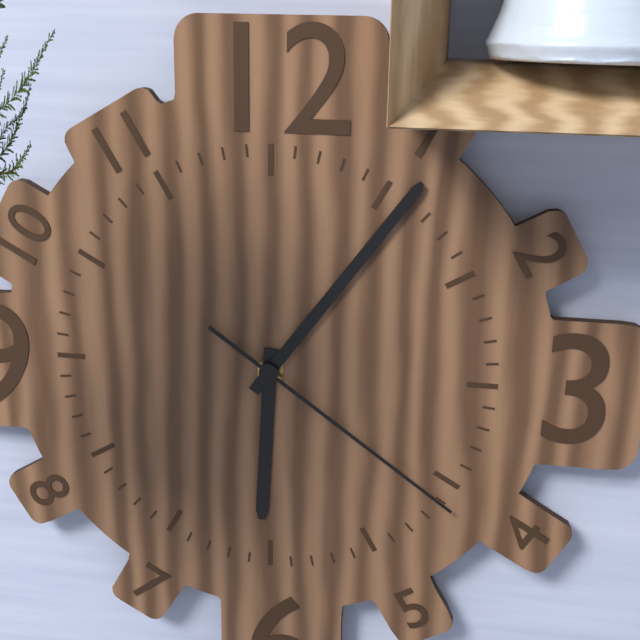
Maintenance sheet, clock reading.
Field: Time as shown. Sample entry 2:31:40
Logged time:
6:06:21
